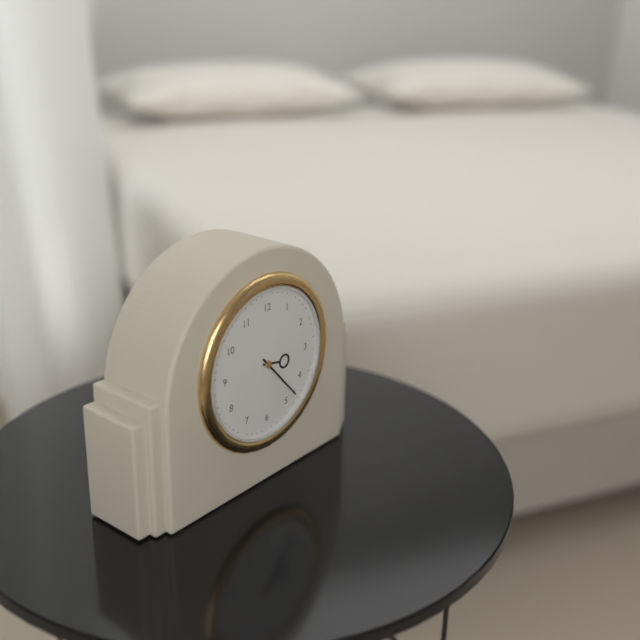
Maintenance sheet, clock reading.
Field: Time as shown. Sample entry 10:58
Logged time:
3:23
